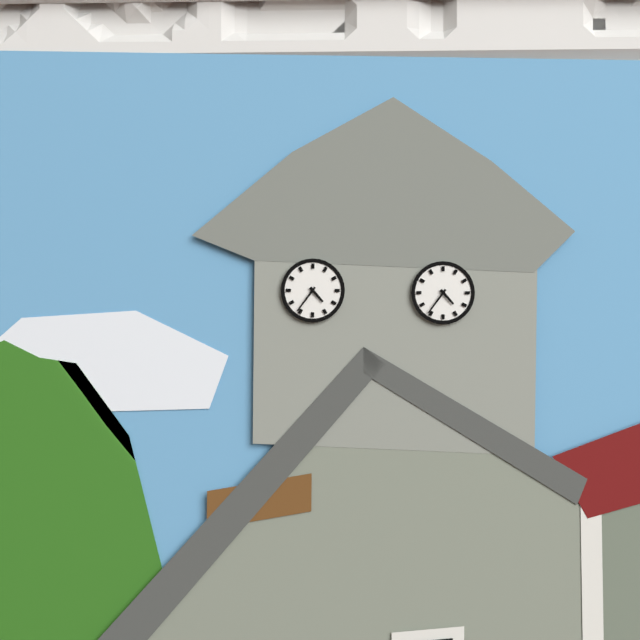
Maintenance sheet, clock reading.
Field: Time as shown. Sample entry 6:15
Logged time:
4:36
